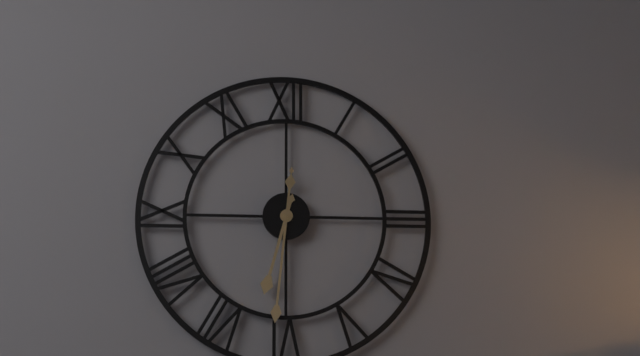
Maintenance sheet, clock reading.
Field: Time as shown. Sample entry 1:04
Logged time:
6:31
